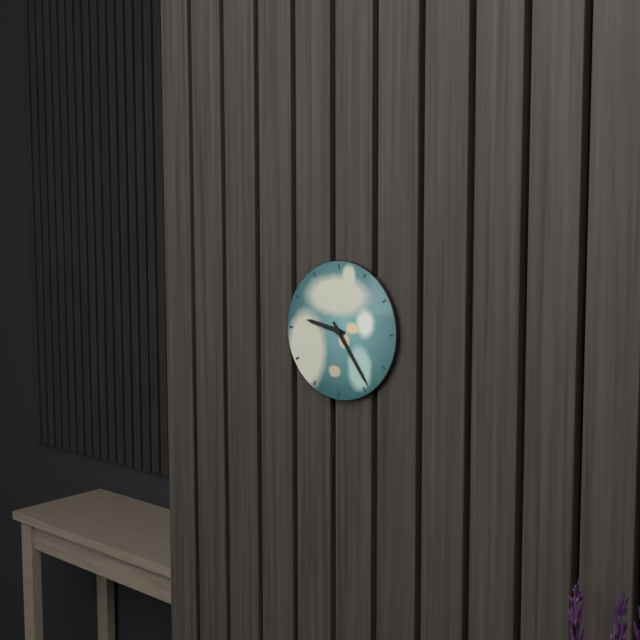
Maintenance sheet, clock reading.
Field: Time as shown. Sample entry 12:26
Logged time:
9:24
